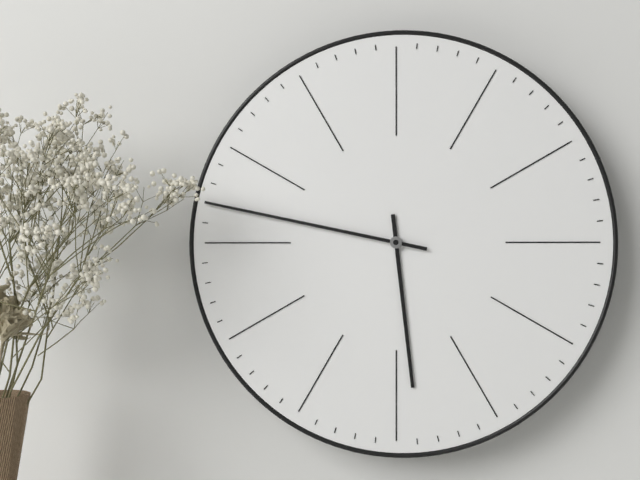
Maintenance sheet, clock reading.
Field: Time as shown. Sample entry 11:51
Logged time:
5:47
